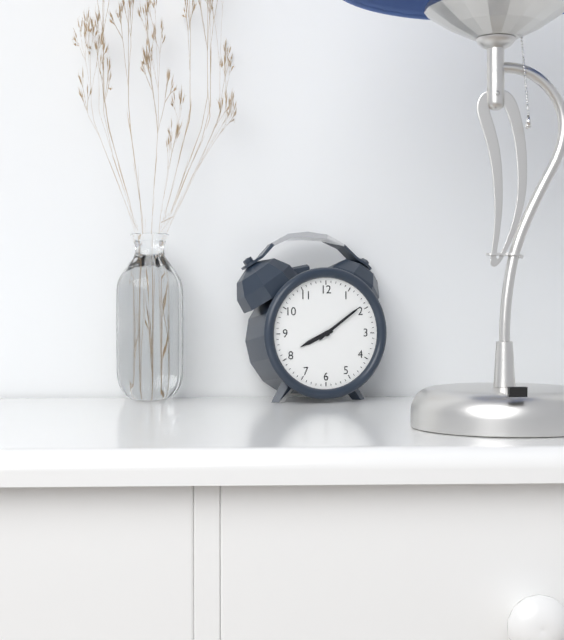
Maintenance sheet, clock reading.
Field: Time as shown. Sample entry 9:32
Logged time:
8:09
